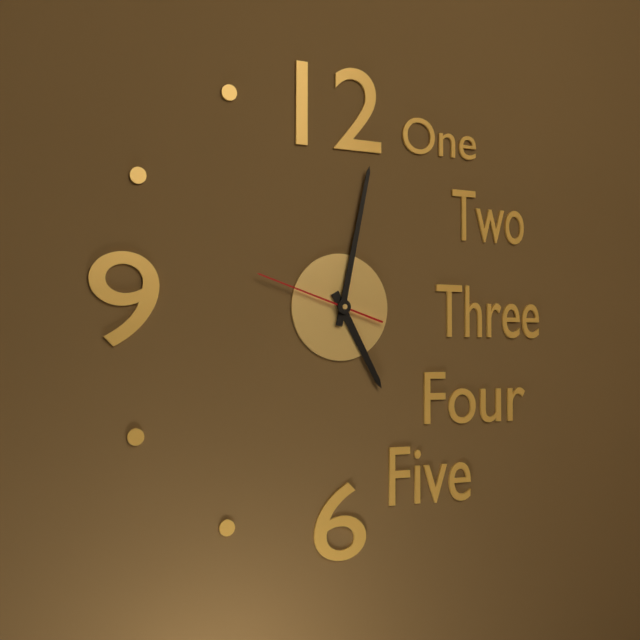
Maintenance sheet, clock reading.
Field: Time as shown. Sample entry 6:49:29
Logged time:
5:02:48
